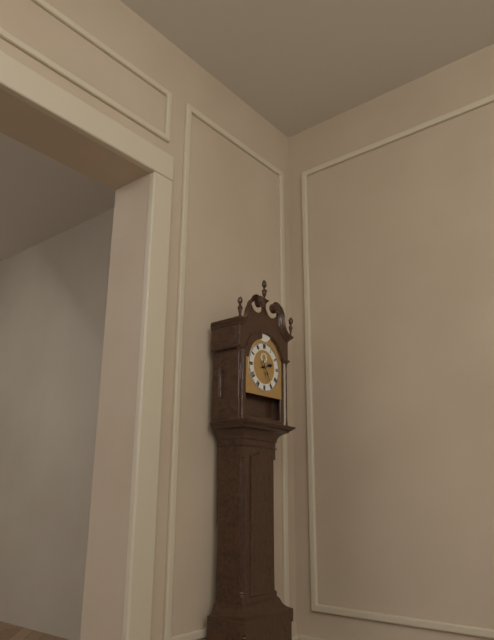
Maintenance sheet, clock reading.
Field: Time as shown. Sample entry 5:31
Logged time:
2:25
